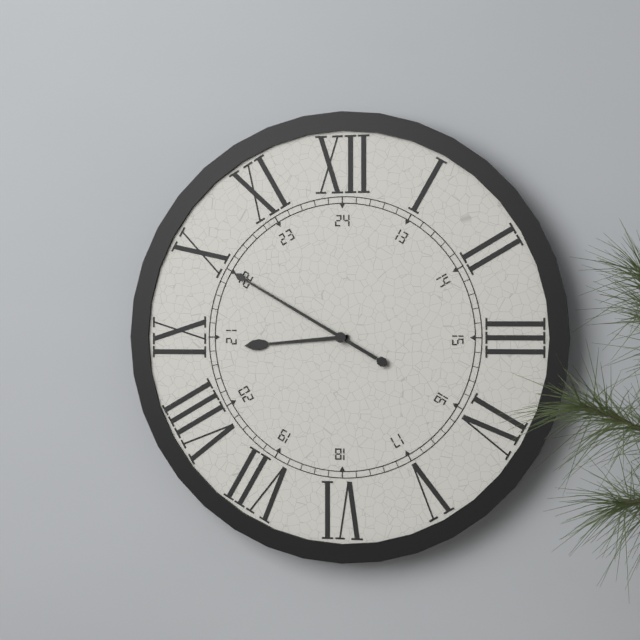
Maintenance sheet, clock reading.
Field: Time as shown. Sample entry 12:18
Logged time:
8:50
